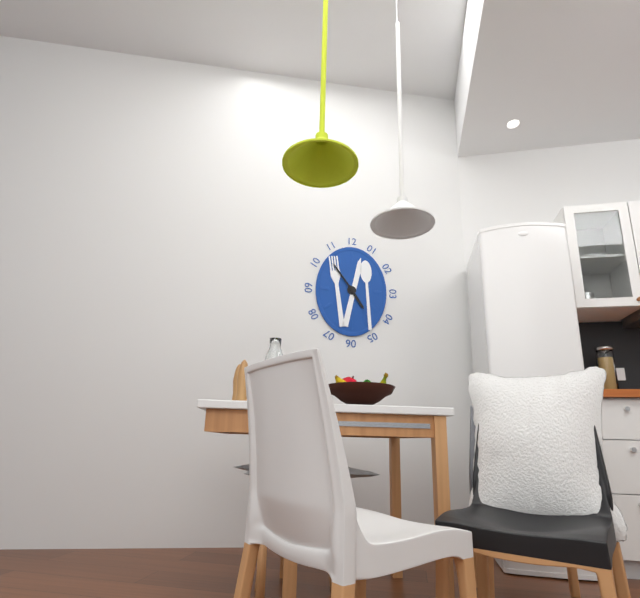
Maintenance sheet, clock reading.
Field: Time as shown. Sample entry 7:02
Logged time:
4:54
